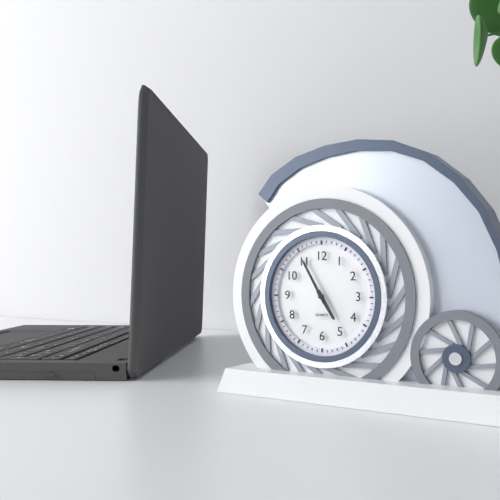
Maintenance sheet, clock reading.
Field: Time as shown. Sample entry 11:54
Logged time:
4:55
